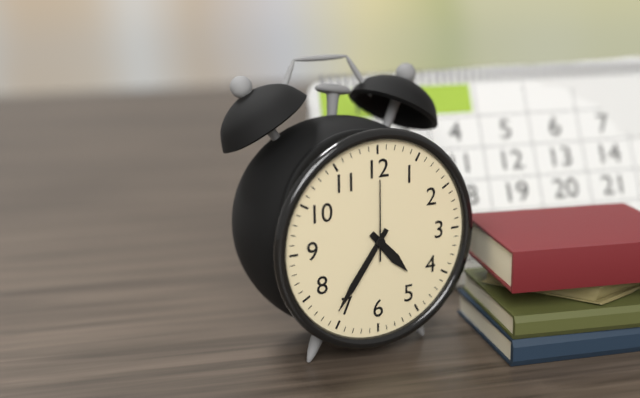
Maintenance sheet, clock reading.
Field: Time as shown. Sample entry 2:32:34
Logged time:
4:36:00
